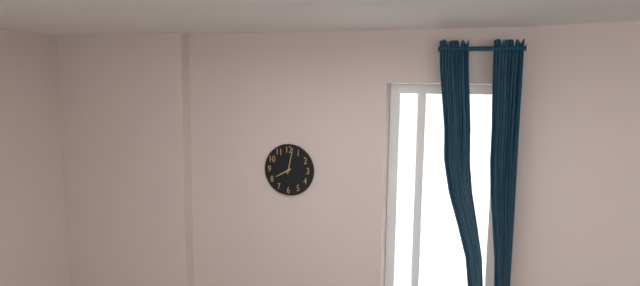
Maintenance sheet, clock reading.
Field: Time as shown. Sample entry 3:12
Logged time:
8:02
